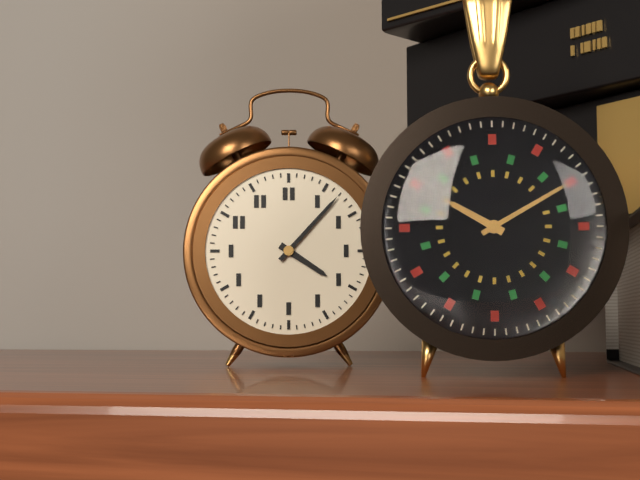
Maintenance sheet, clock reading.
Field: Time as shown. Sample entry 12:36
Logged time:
4:07
